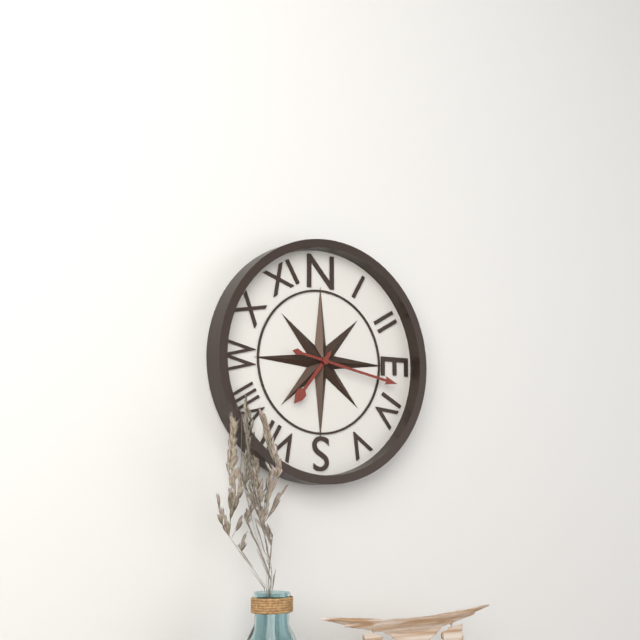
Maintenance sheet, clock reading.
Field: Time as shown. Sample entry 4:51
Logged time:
7:17
